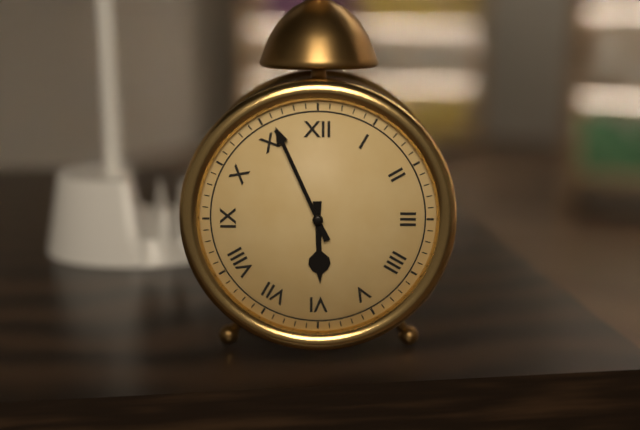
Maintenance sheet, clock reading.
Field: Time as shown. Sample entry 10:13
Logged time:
5:56
